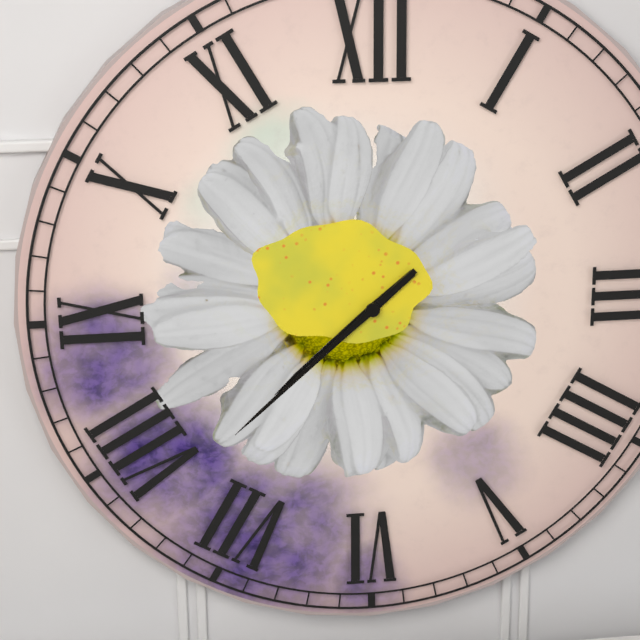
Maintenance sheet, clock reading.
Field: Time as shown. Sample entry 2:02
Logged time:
7:38
